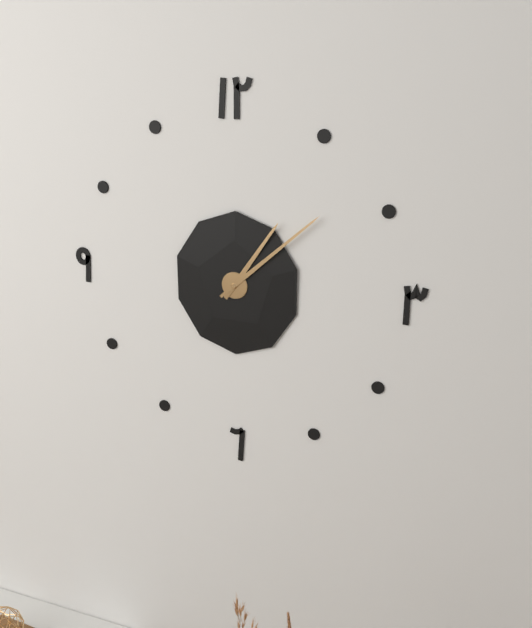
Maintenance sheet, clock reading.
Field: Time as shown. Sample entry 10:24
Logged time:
1:08
